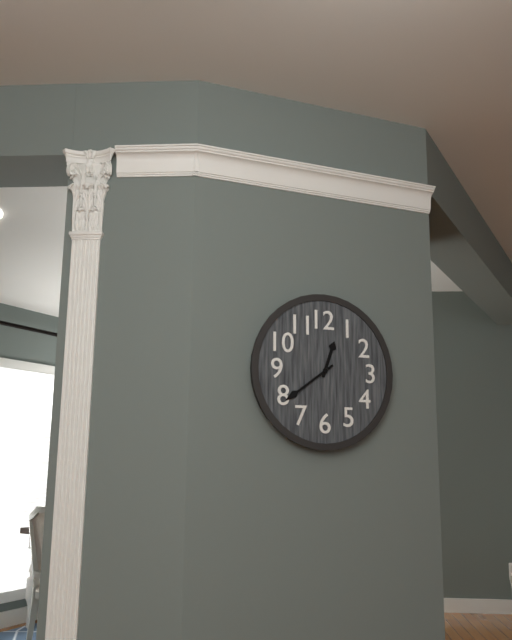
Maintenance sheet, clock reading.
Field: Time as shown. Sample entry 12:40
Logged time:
12:39
